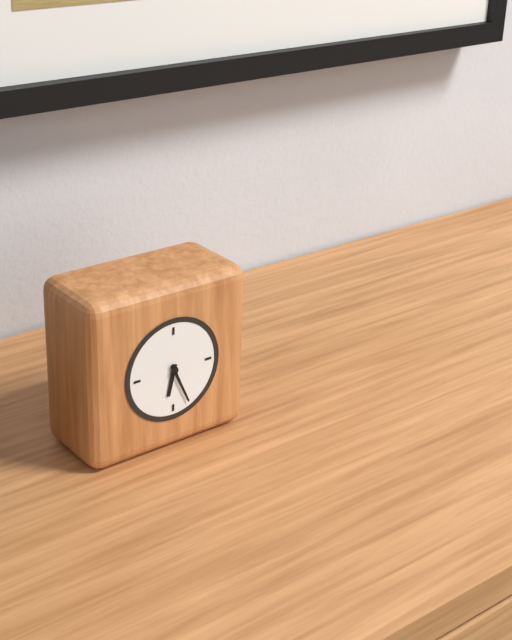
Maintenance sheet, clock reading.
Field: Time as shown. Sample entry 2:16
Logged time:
6:26
